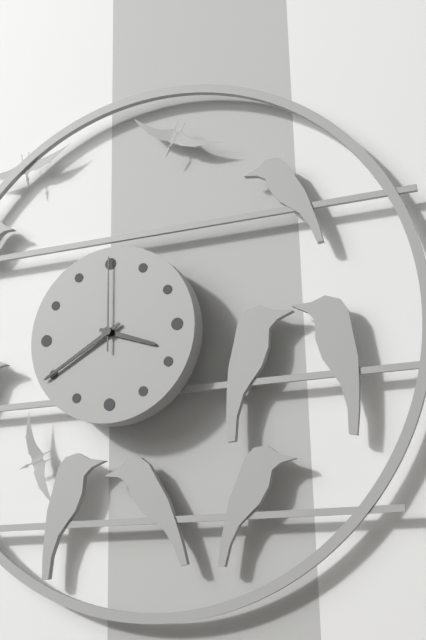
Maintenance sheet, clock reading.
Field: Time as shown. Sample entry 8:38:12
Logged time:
3:40:00
